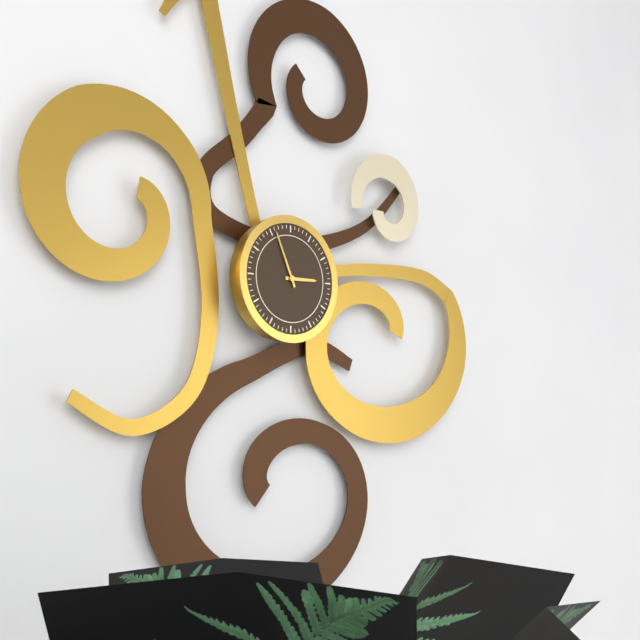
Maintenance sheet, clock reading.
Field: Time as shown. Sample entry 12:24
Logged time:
2:56
